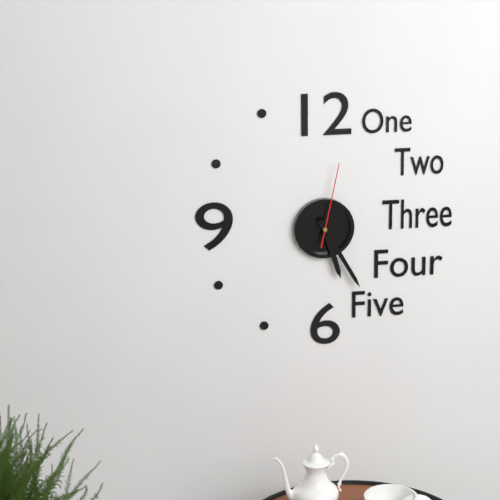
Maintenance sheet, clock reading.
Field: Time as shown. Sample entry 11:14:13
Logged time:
5:25:02
